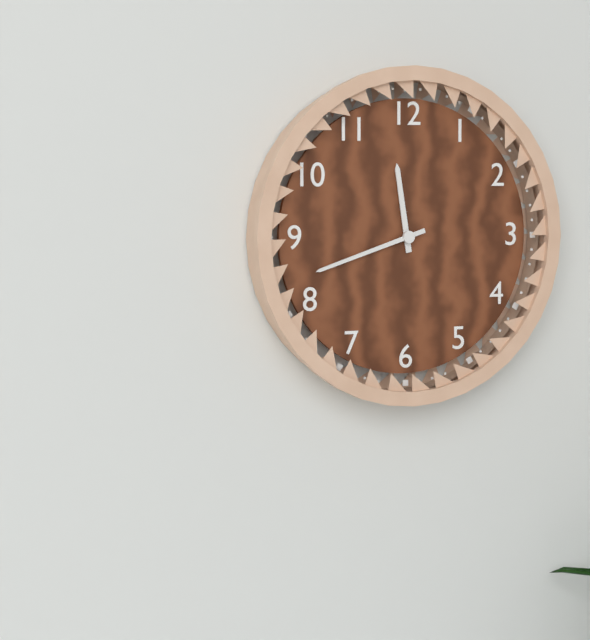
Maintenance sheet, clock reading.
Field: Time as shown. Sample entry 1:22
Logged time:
11:42
